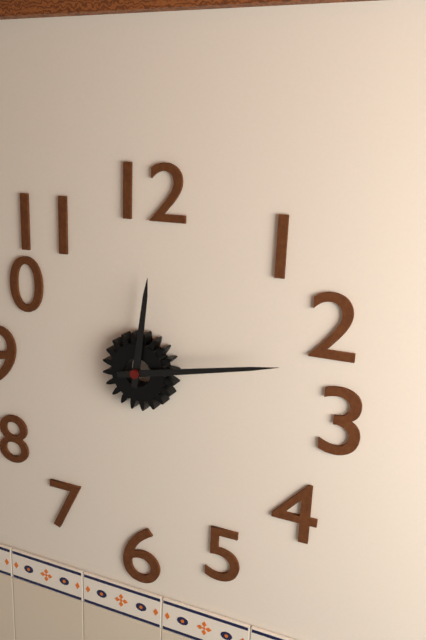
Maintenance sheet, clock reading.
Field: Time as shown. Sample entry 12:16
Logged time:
12:13
